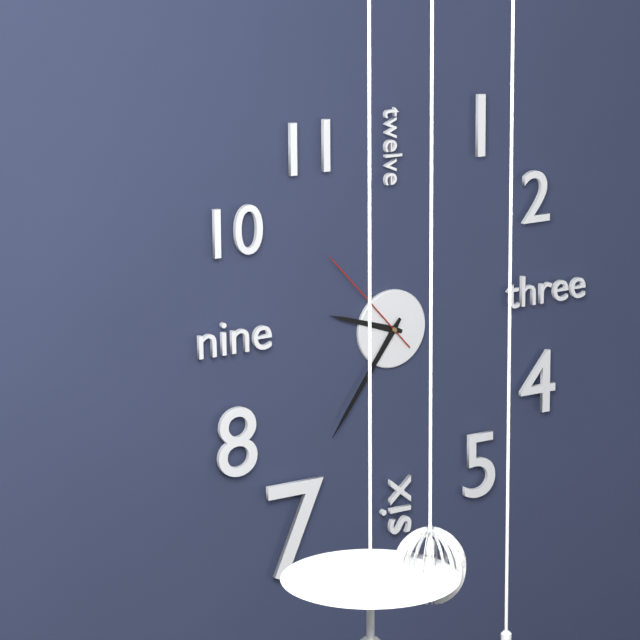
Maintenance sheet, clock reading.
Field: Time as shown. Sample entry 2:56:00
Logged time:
9:36:53
